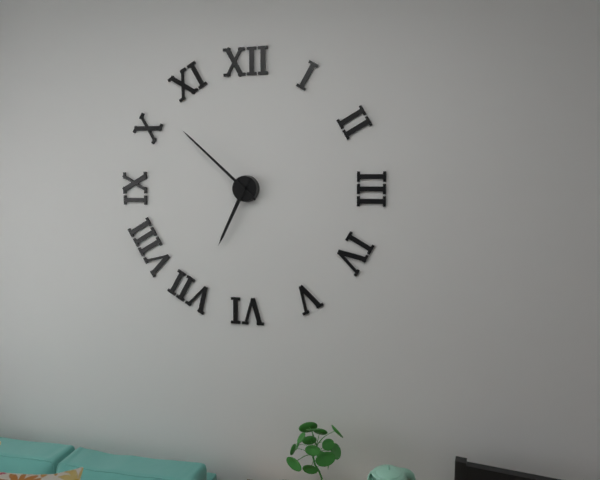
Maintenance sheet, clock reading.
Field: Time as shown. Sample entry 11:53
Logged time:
6:52
